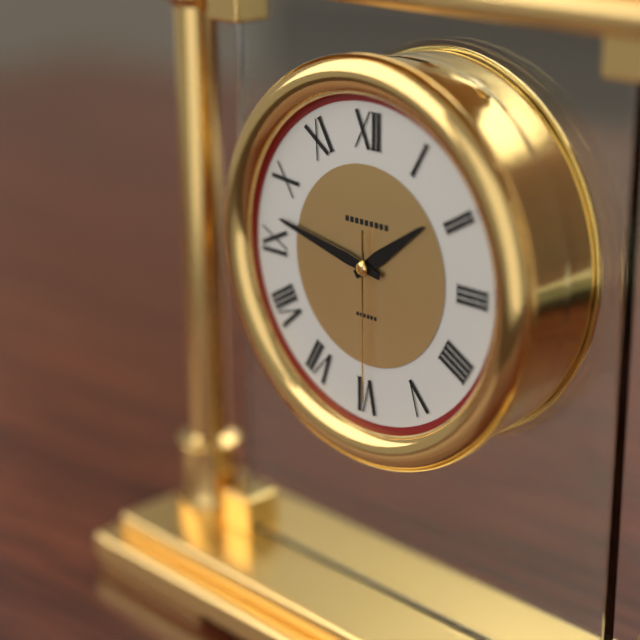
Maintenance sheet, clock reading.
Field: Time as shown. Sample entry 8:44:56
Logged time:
1:47:30
